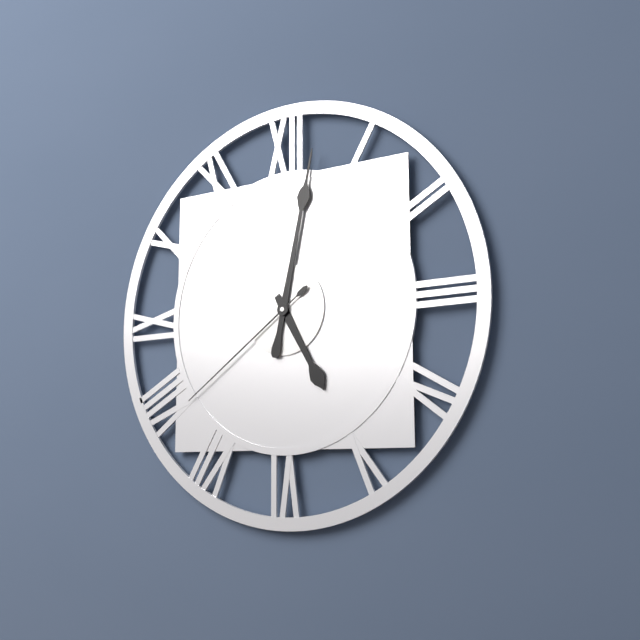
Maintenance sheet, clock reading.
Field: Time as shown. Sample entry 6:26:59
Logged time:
5:02:39
